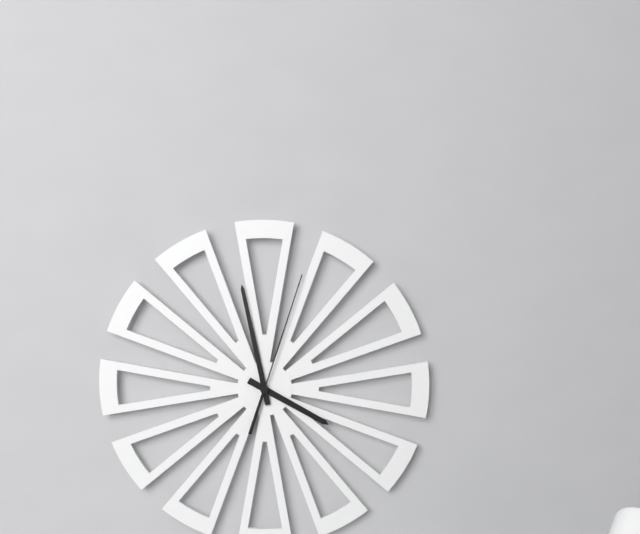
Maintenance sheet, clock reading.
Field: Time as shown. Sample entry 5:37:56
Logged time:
3:58:03
